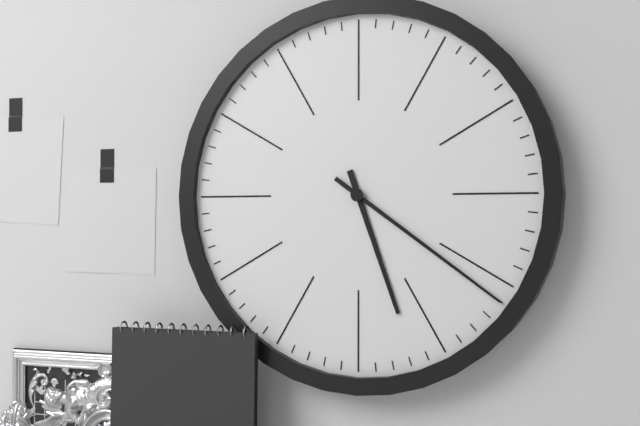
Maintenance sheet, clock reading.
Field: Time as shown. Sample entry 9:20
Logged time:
5:21
